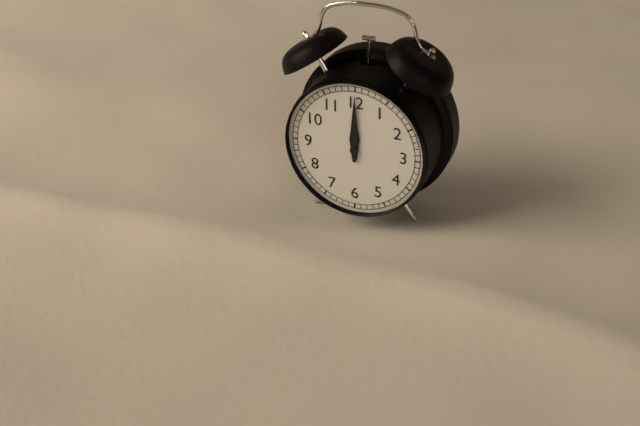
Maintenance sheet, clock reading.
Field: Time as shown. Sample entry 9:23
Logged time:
12:00
